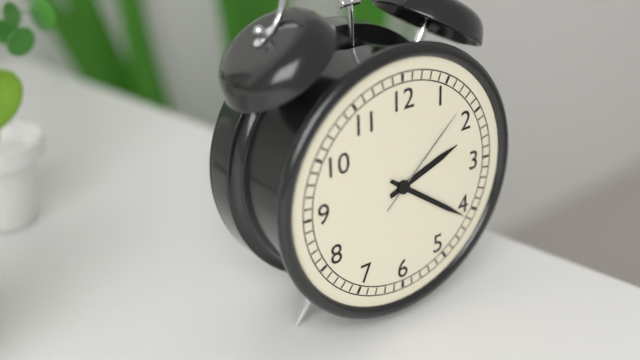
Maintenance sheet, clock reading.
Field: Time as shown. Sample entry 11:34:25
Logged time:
2:21:08
